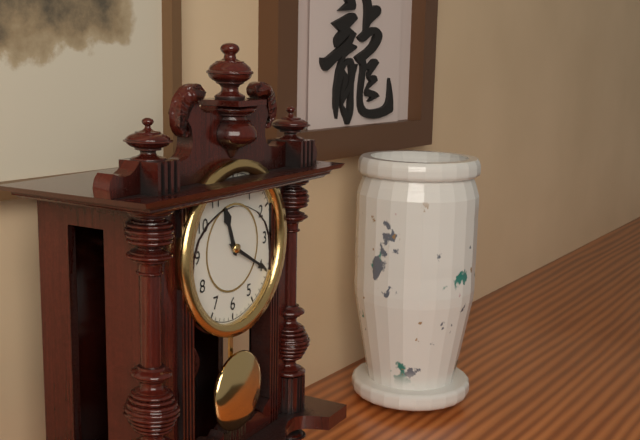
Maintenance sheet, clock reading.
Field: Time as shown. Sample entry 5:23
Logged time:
11:20
